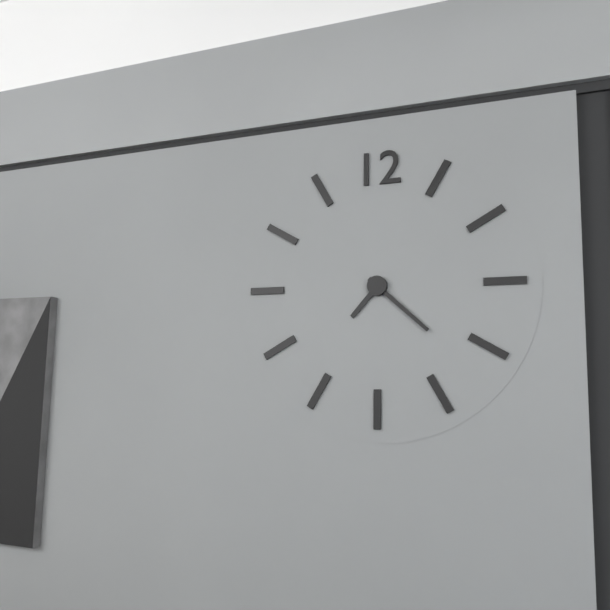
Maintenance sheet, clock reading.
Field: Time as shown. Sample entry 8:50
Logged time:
7:22
